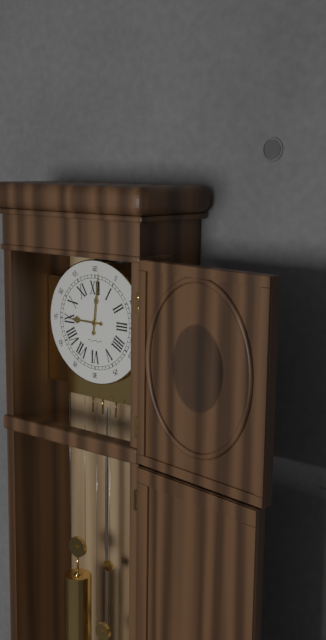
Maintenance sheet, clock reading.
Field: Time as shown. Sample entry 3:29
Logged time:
9:01
